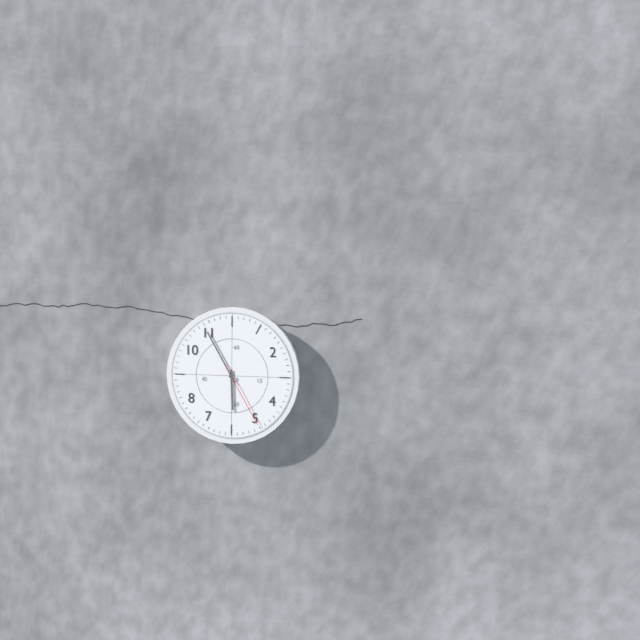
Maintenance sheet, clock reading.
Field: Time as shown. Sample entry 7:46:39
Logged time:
5:55:25
